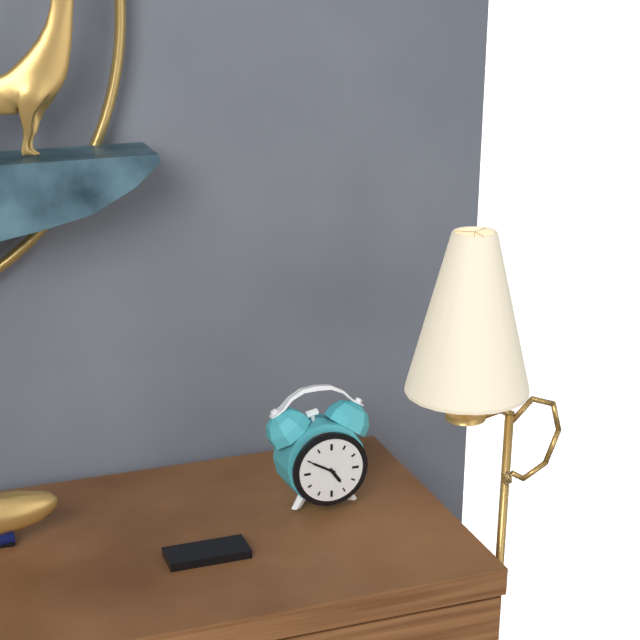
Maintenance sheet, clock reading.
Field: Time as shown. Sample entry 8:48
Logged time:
4:50
